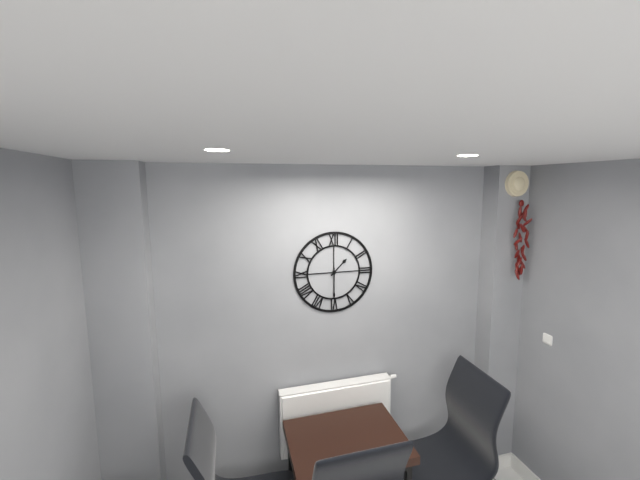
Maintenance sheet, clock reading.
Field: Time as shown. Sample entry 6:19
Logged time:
1:30
